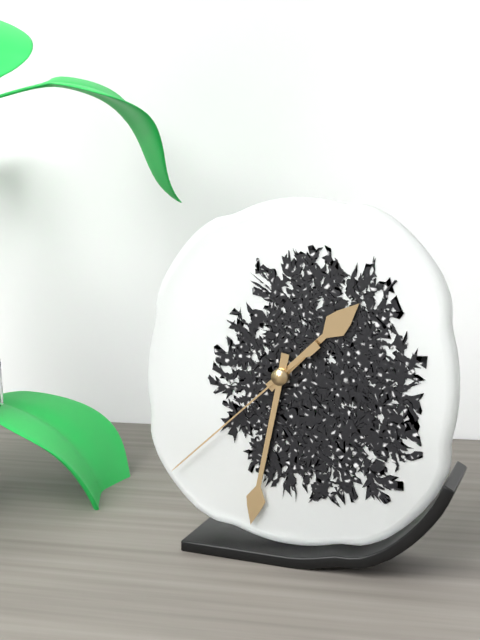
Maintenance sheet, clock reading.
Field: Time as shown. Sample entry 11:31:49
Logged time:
1:32:38
